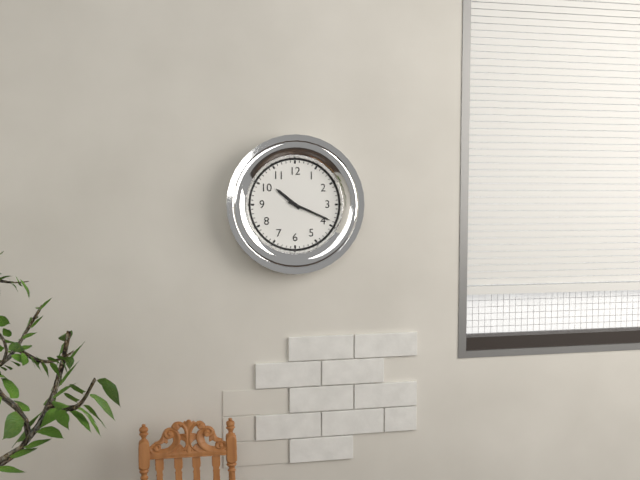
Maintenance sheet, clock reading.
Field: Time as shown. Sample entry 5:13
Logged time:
10:19
